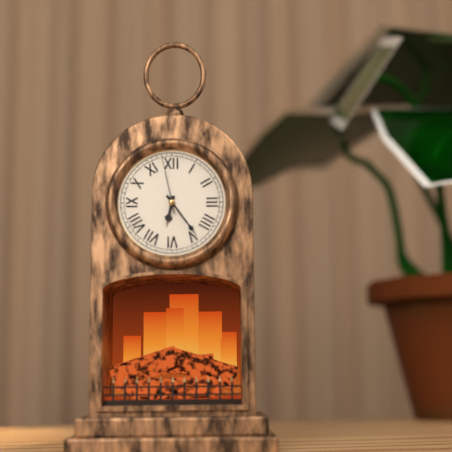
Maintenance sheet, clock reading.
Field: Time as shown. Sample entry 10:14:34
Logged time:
6:24:58
